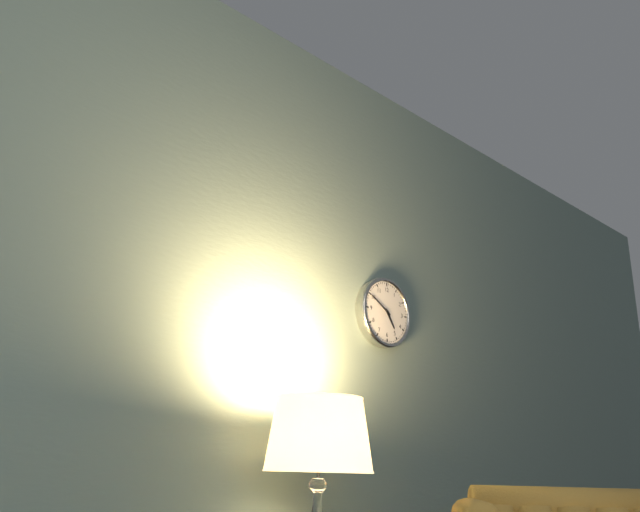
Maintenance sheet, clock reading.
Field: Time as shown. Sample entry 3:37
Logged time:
4:50
